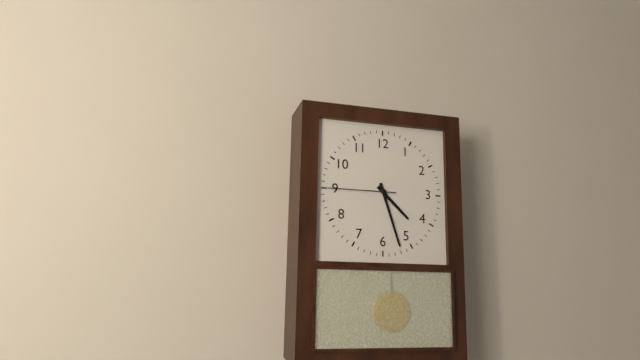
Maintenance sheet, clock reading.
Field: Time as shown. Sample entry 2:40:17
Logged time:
4:27:45
